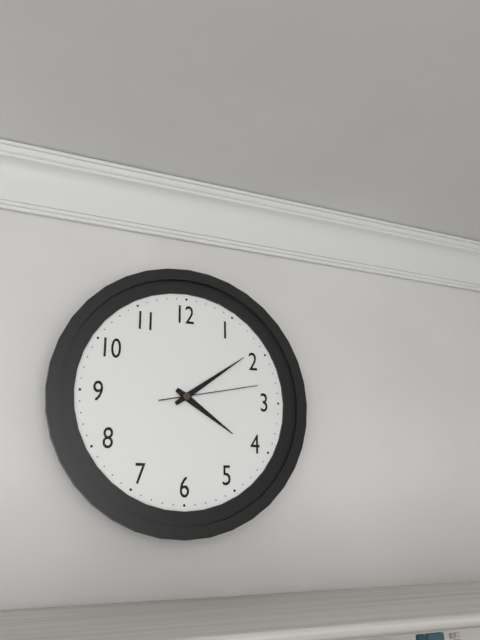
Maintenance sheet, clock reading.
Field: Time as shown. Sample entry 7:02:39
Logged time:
4:09:13
